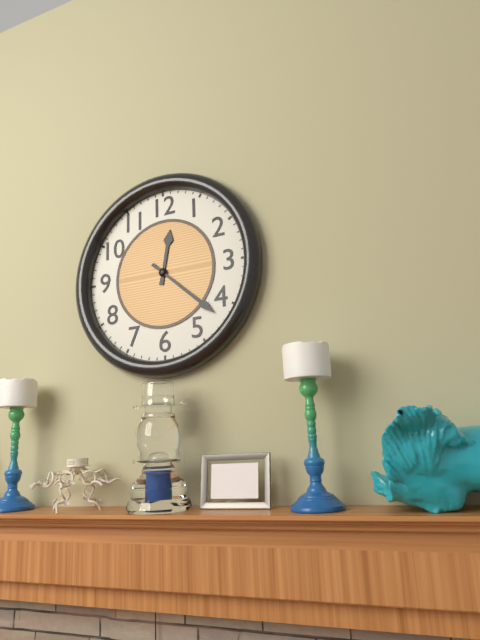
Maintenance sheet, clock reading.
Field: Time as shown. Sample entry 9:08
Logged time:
12:22
